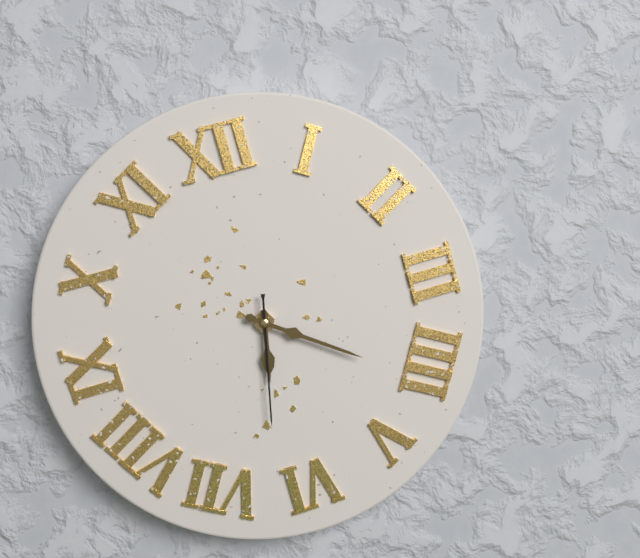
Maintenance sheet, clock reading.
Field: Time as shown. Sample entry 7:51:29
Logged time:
6:21:32
